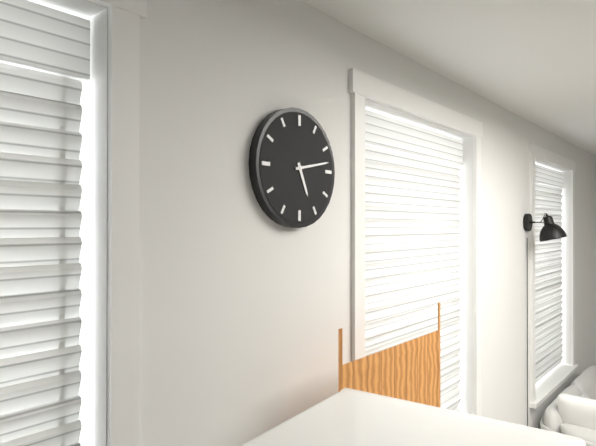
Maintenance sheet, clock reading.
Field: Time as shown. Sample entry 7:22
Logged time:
5:13
